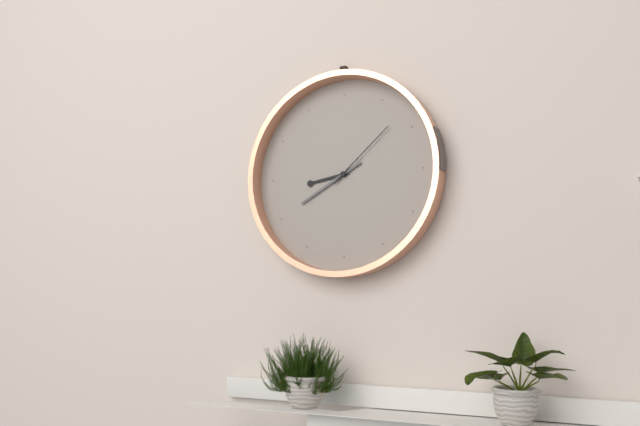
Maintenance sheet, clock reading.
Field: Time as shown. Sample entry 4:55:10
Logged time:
8:40:08
